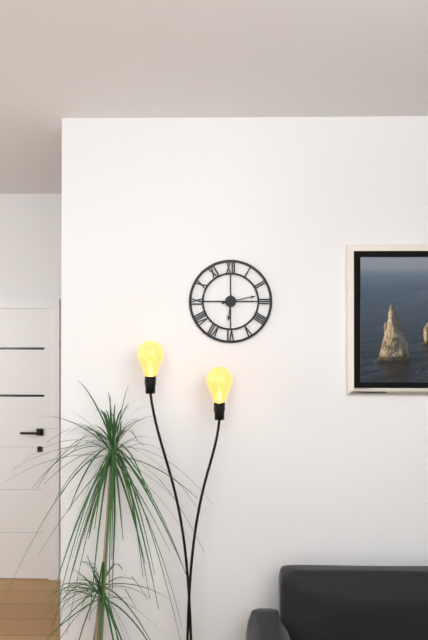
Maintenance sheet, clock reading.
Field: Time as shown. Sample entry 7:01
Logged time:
6:13
